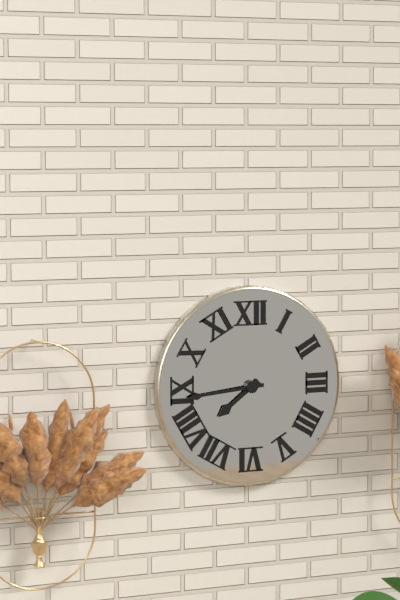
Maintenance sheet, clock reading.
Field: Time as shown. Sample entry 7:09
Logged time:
7:44
